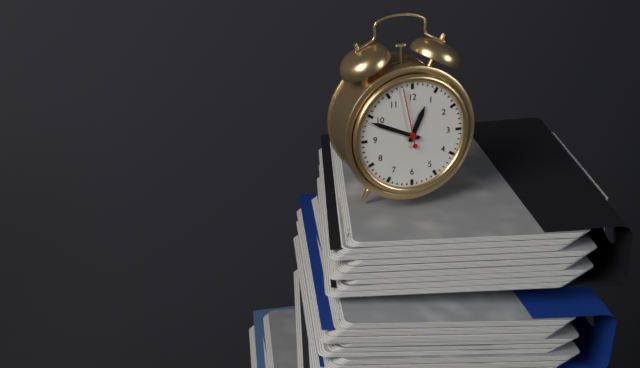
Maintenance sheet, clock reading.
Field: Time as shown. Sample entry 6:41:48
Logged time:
12:49:58
